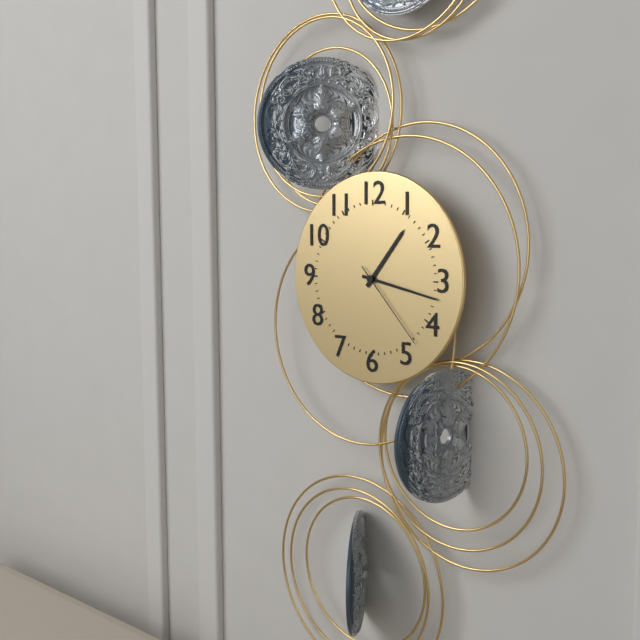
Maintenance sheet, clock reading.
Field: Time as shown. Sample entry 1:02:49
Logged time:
1:17:23
